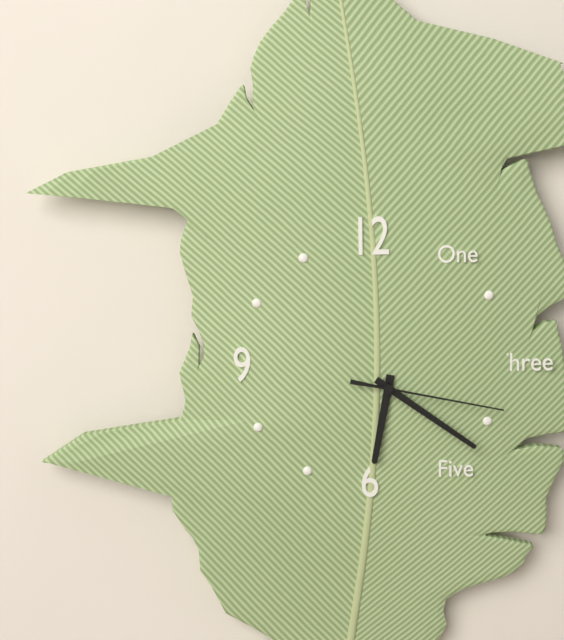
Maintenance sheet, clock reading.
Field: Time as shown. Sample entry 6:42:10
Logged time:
6:21:17
